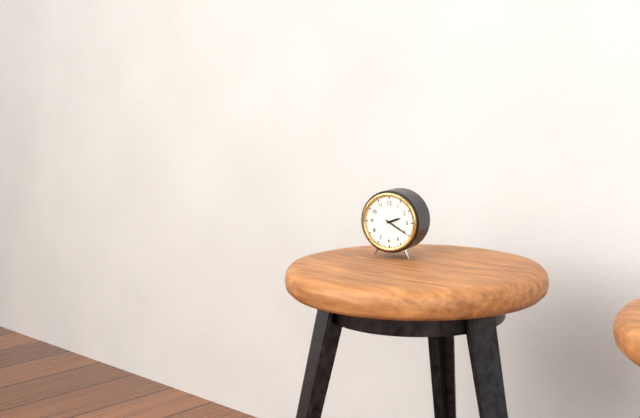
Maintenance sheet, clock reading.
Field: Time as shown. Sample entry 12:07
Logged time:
2:20
